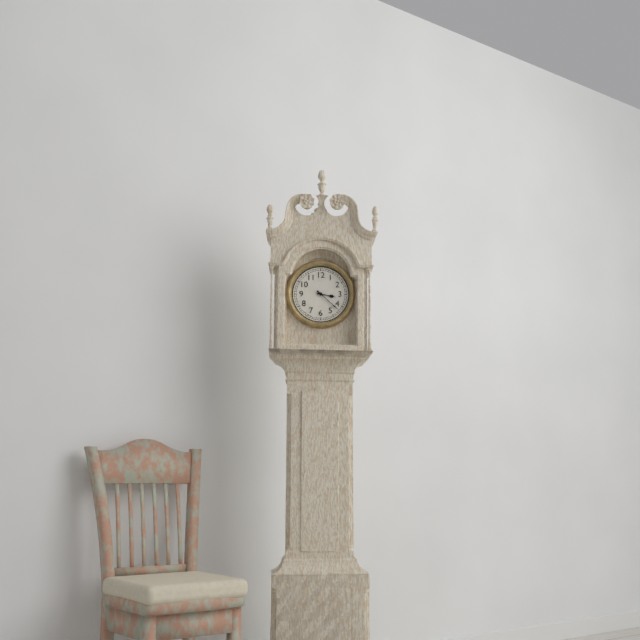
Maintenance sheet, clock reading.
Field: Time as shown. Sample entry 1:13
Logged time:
3:22
